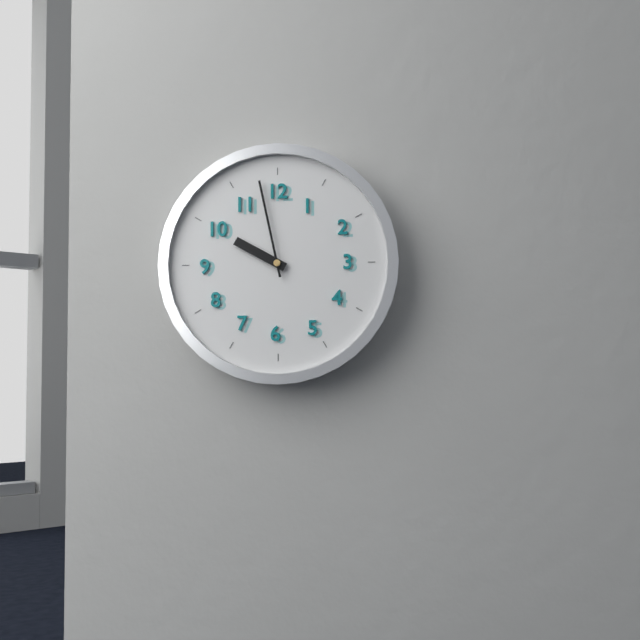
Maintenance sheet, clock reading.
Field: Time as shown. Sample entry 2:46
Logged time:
9:58
